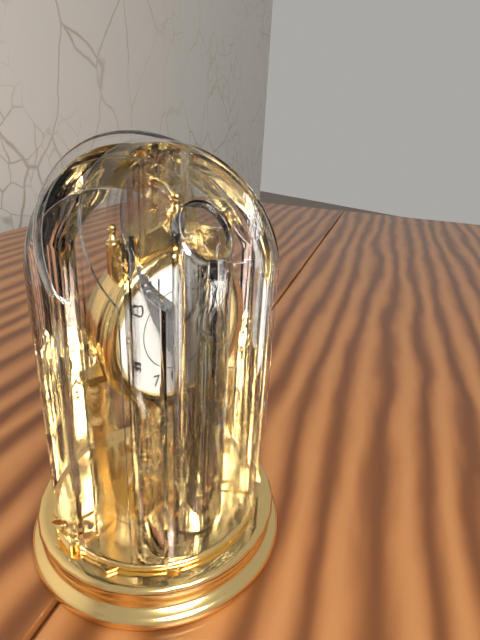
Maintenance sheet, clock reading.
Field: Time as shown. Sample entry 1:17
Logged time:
1:32
